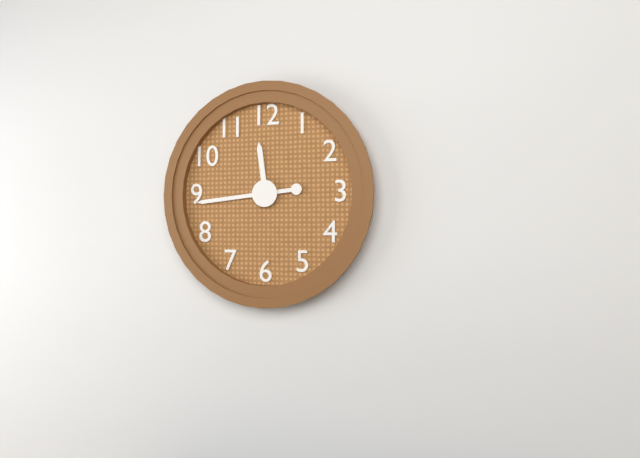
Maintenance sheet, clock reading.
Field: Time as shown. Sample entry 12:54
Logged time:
11:44
